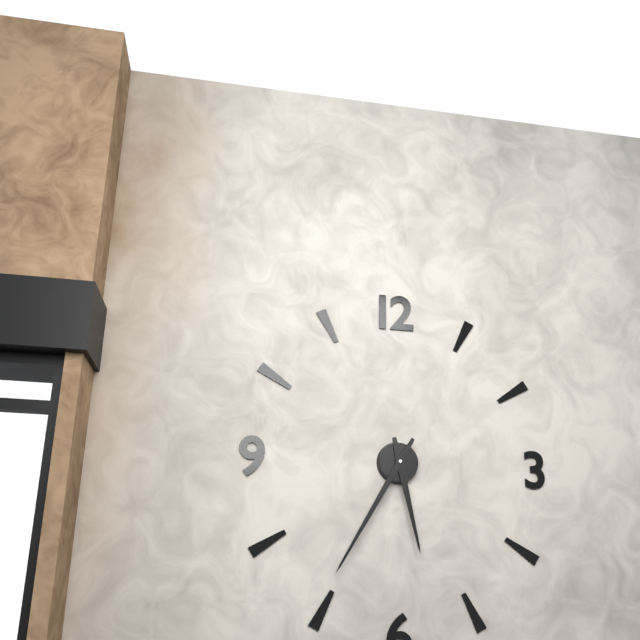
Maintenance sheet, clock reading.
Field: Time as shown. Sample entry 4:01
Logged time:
5:35
